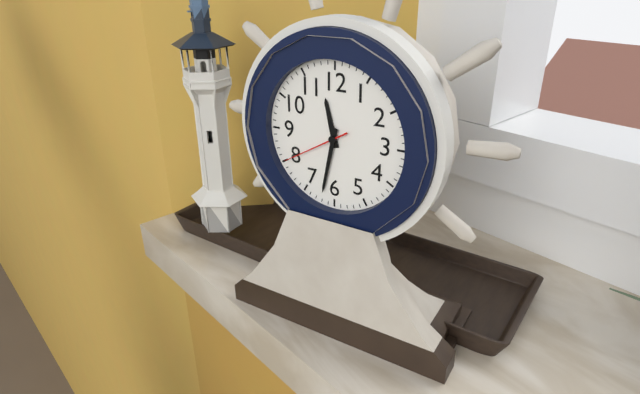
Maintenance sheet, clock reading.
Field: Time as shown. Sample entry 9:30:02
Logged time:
11:32:40
